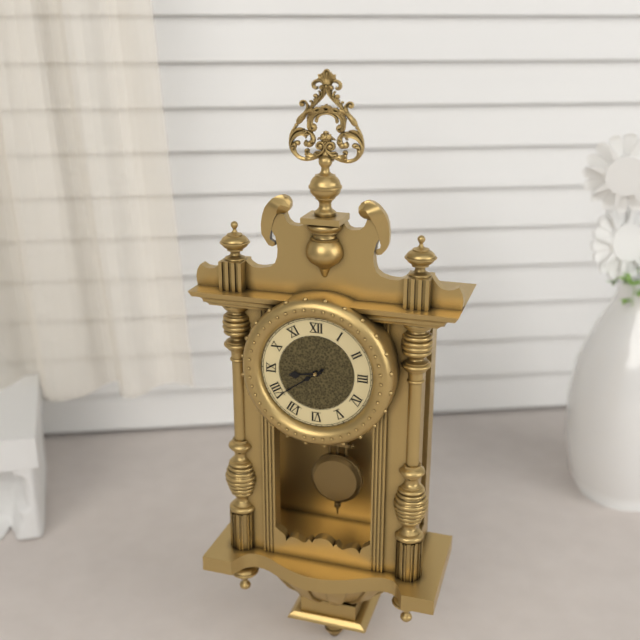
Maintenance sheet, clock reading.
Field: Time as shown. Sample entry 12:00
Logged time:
8:39
